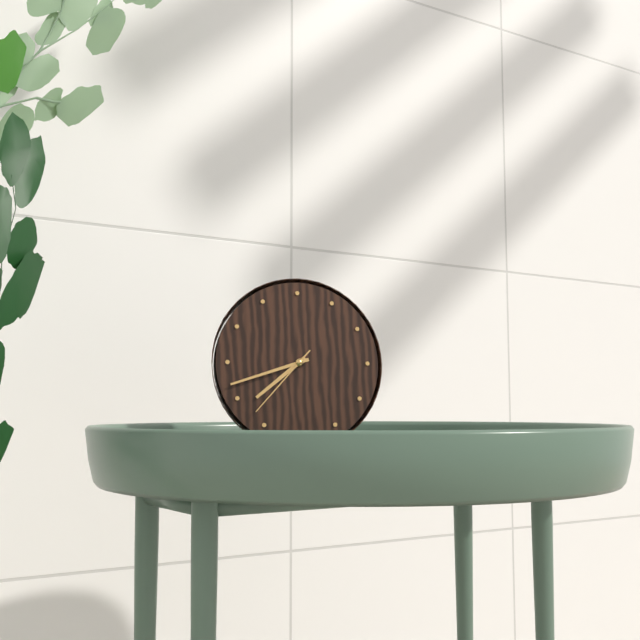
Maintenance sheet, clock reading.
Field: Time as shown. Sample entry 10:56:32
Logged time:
7:42:37
